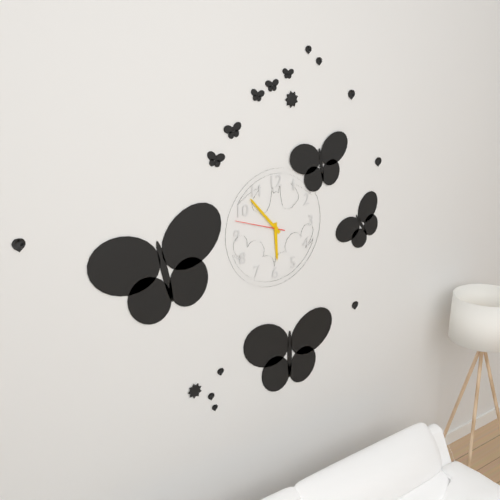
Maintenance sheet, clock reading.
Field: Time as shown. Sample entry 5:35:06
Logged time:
5:53:48
